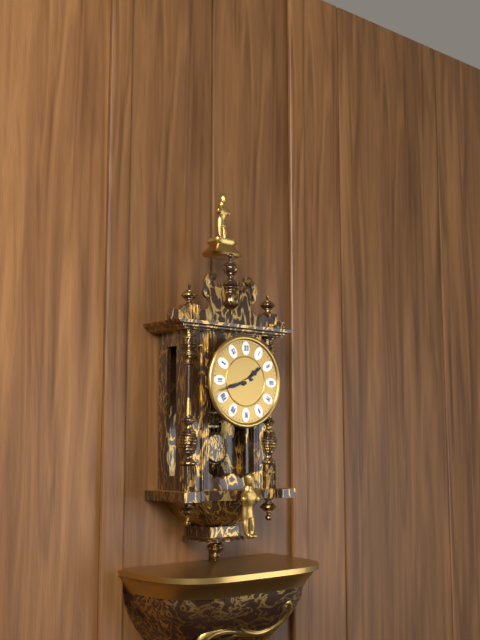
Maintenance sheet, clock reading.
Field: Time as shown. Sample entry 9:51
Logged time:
1:42
